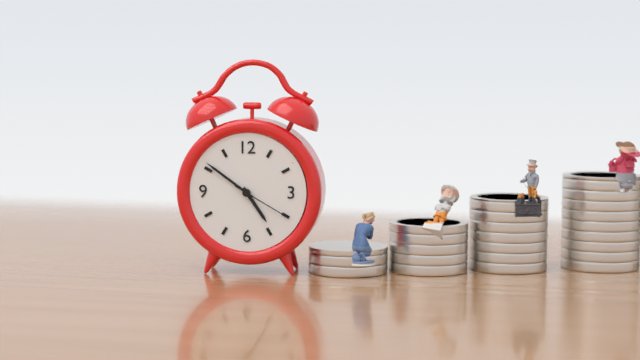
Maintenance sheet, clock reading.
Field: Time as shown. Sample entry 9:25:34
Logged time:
4:51:20
